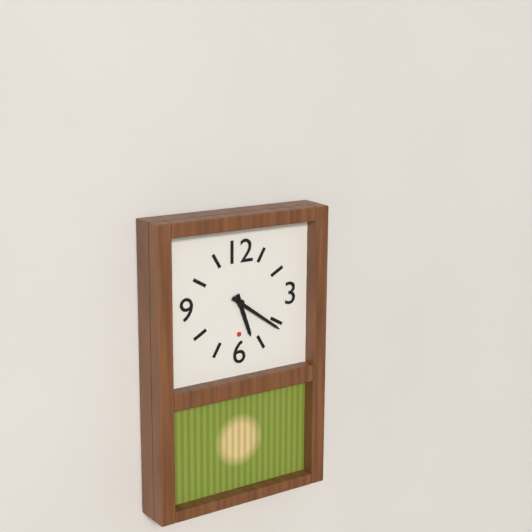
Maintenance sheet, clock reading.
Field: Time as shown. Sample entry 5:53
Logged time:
5:21
